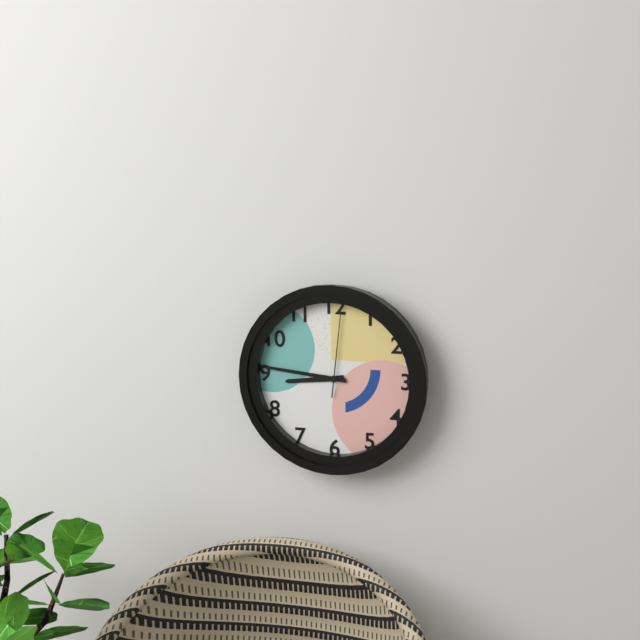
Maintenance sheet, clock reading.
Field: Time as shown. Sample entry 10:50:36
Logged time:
8:46:01
